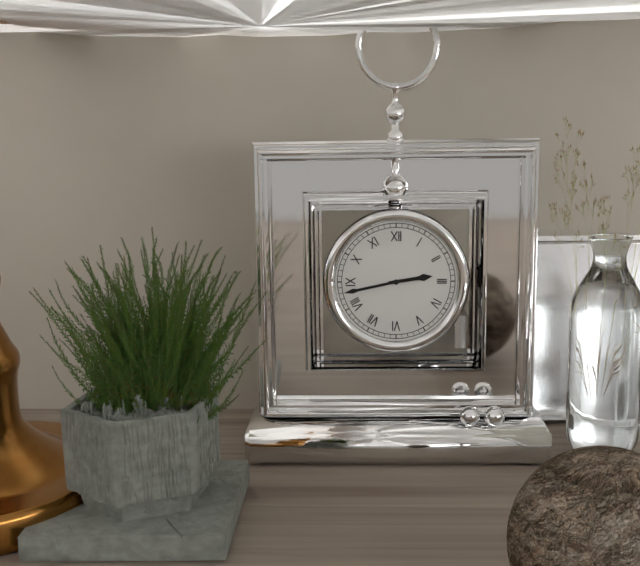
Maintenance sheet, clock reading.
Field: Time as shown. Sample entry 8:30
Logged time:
2:43
